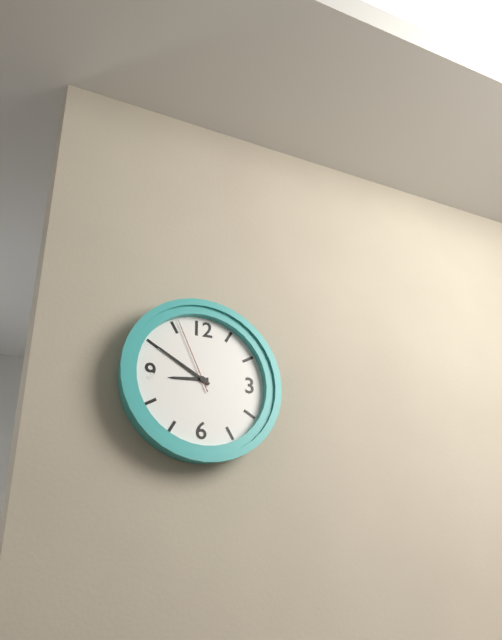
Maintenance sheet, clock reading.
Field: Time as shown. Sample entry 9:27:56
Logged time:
8:50:56
